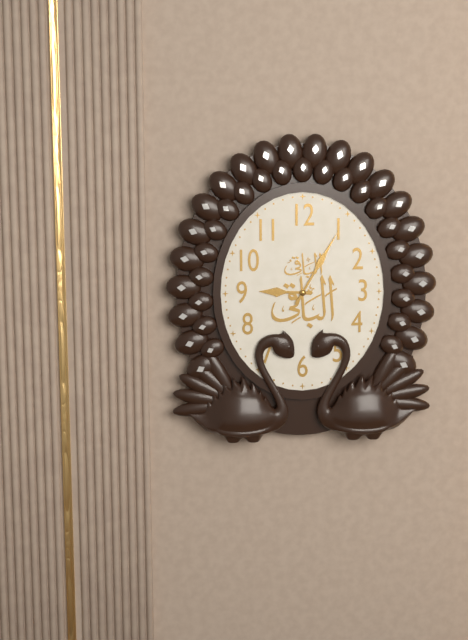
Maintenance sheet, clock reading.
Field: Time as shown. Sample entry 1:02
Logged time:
9:05
